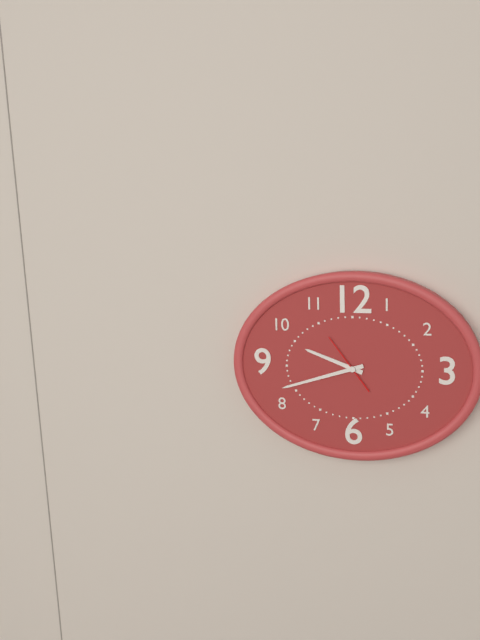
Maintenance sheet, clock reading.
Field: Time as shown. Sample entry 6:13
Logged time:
9:42
